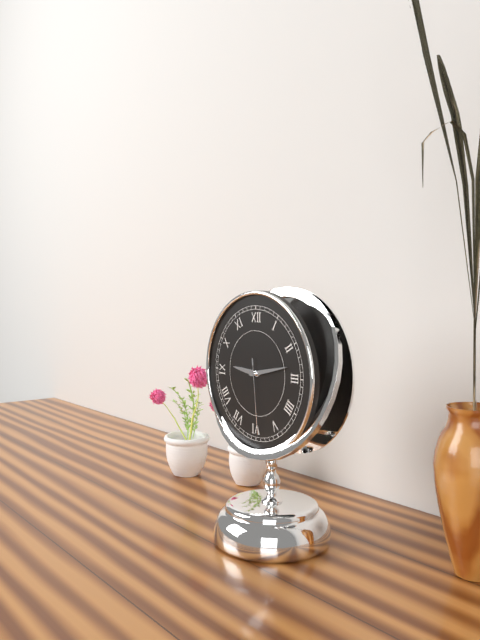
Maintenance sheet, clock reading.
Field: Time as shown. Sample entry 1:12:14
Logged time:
9:13:29
